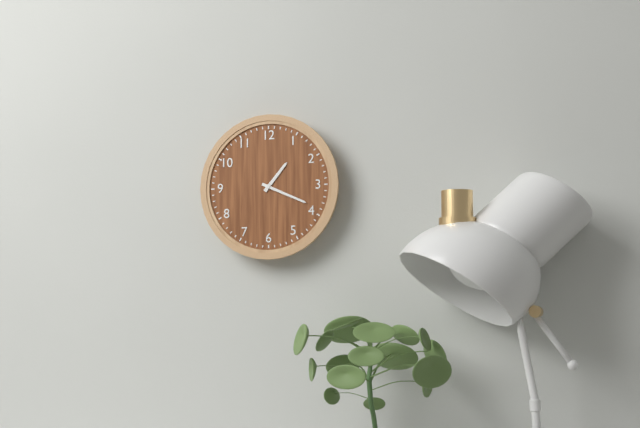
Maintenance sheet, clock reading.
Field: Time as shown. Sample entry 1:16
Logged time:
1:19
